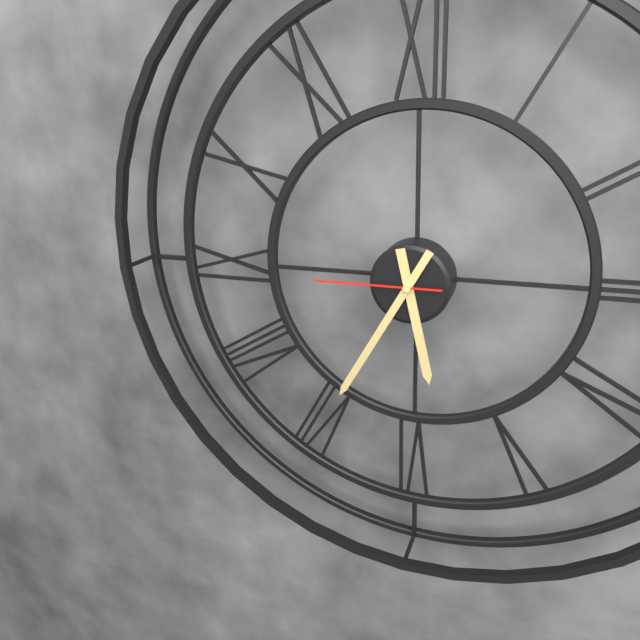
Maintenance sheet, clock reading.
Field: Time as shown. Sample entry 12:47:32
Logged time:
5:35:45
